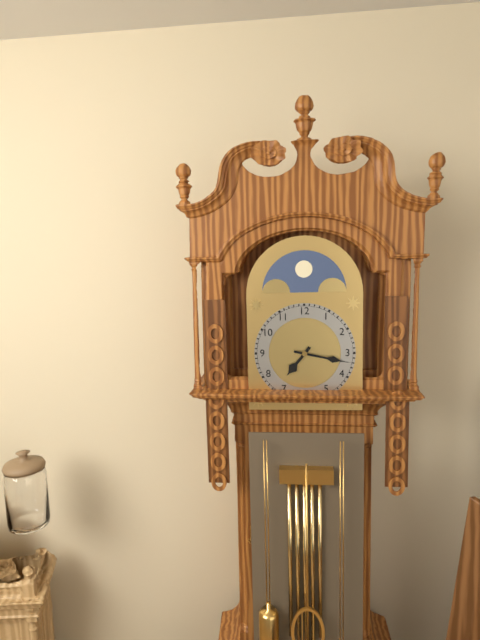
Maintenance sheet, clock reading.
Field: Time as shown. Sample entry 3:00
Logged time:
7:17
